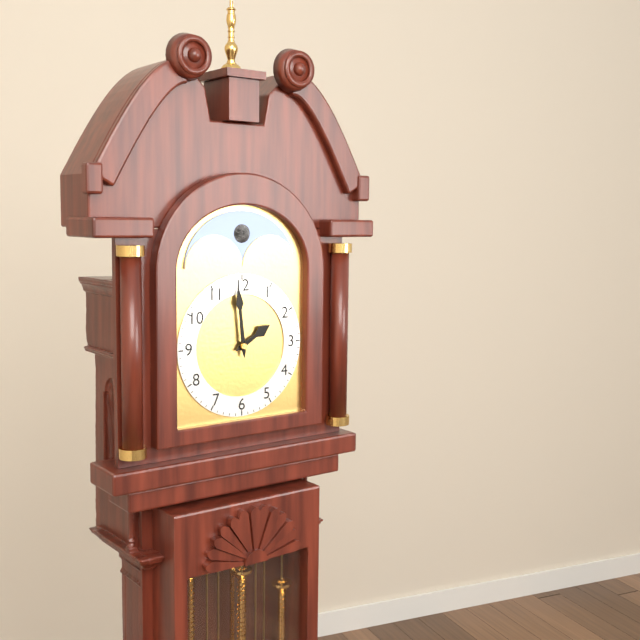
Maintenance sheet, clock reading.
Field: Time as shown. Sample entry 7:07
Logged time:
1:59
